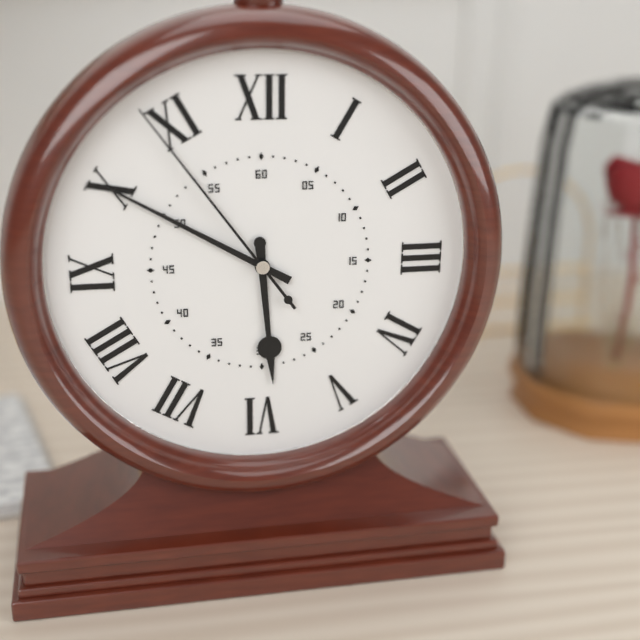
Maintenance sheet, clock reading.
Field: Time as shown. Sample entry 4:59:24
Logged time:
5:50:54
